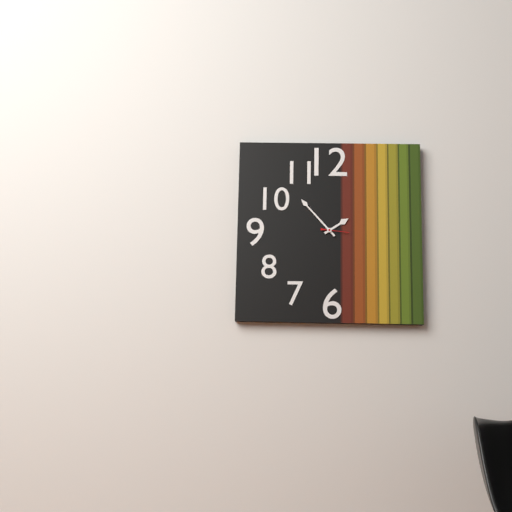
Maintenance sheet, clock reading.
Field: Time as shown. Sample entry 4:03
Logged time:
1:53
